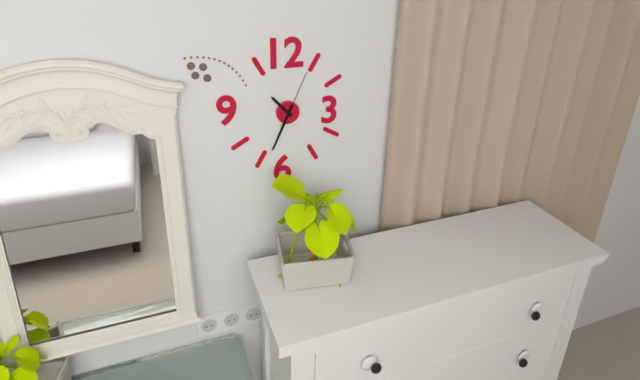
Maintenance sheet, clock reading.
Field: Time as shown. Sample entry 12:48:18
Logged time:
10:34:04
